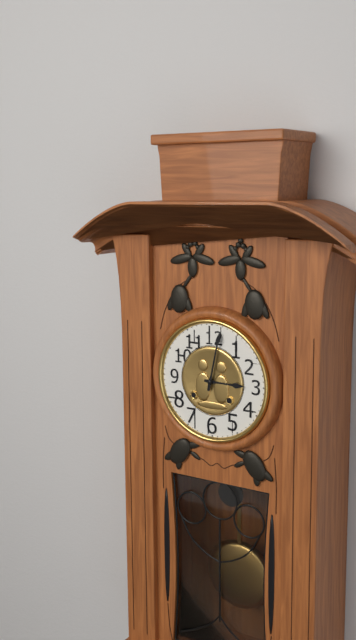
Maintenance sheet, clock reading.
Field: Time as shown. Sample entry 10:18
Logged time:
3:02
